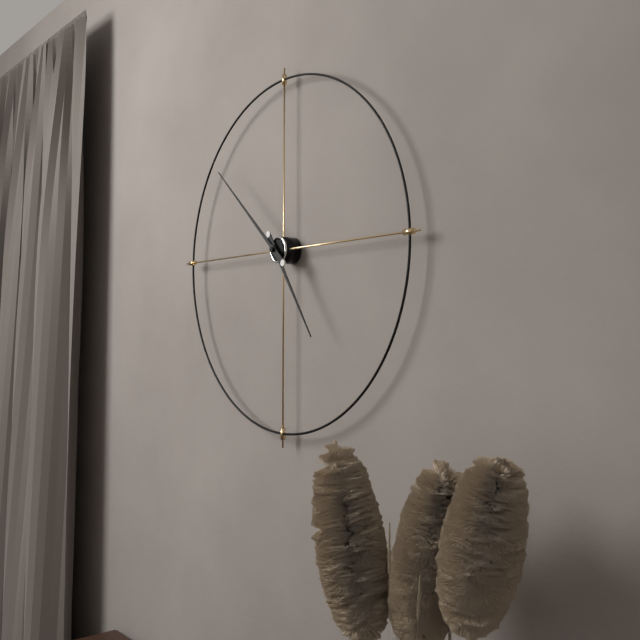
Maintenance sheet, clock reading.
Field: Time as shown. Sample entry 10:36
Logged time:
4:52
